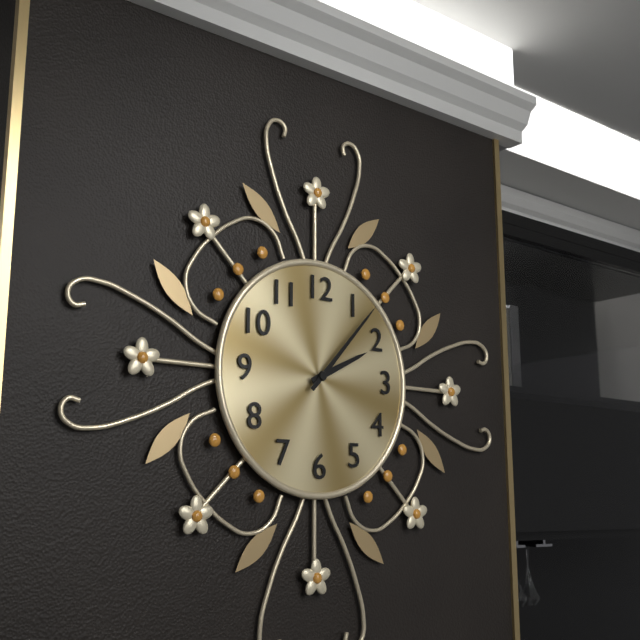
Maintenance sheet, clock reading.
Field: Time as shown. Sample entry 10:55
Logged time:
2:07
